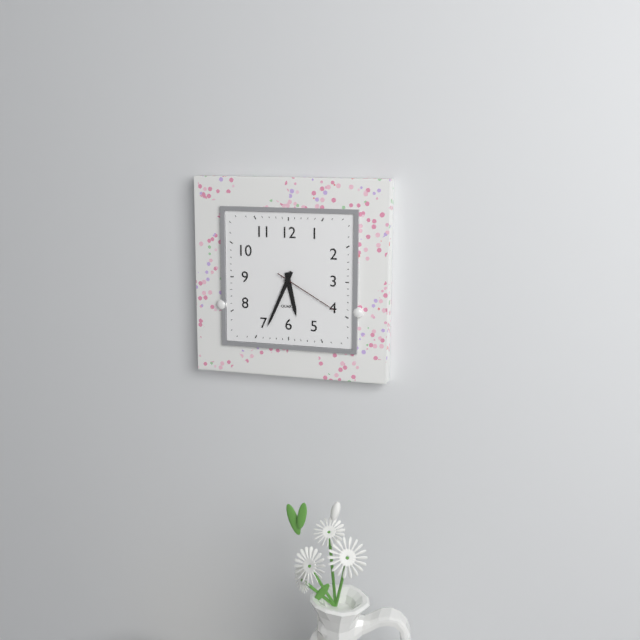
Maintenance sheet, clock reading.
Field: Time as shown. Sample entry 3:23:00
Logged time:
5:34:20
